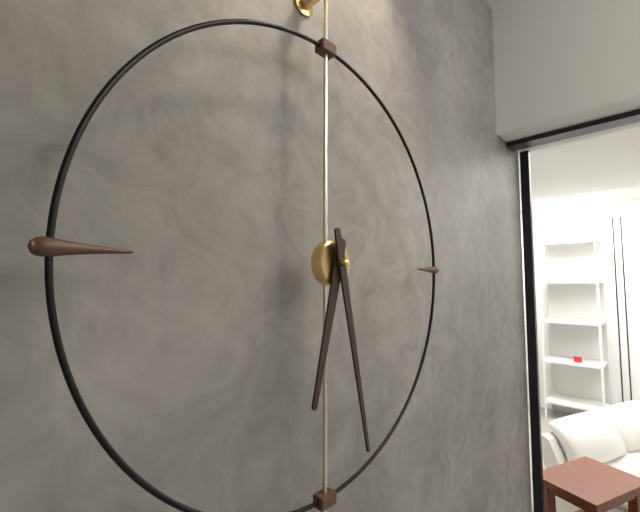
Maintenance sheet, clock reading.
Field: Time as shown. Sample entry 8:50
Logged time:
6:28
